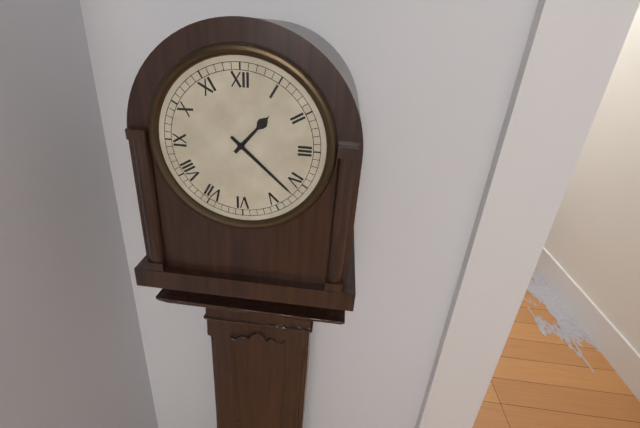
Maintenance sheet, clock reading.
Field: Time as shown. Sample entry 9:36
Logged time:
1:22
